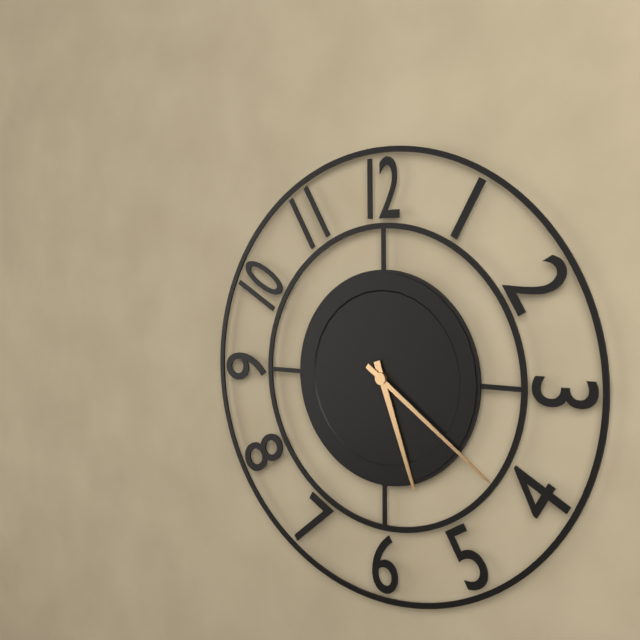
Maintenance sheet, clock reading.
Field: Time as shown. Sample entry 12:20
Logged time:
5:21
